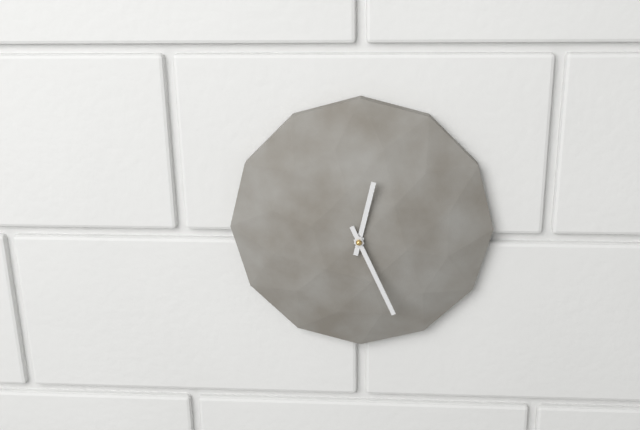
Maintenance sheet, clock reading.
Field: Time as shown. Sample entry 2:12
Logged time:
12:26
